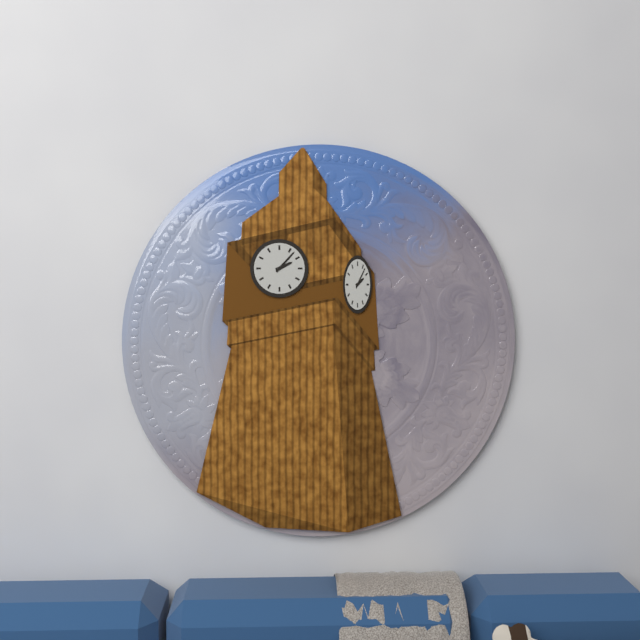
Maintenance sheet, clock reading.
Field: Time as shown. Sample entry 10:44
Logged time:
2:07
